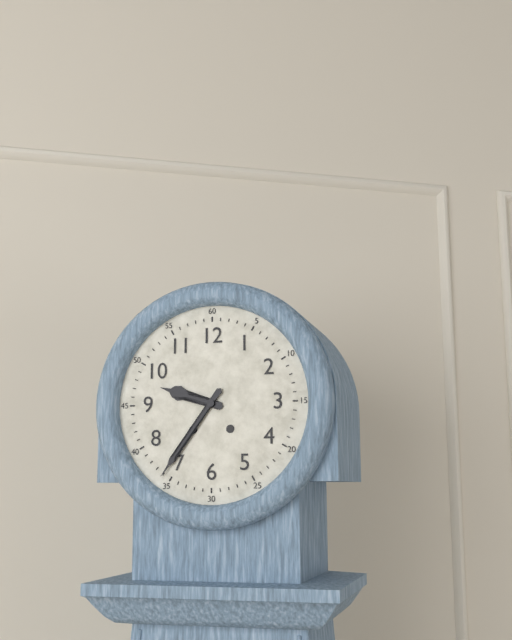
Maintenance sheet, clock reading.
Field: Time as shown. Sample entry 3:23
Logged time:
9:36
